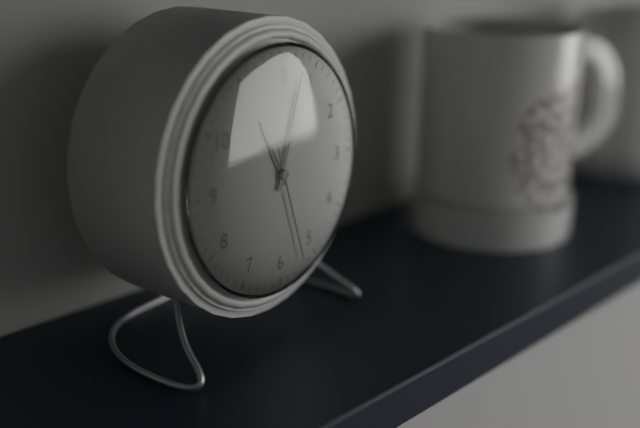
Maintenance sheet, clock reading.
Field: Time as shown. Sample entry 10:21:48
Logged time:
11:03:27
